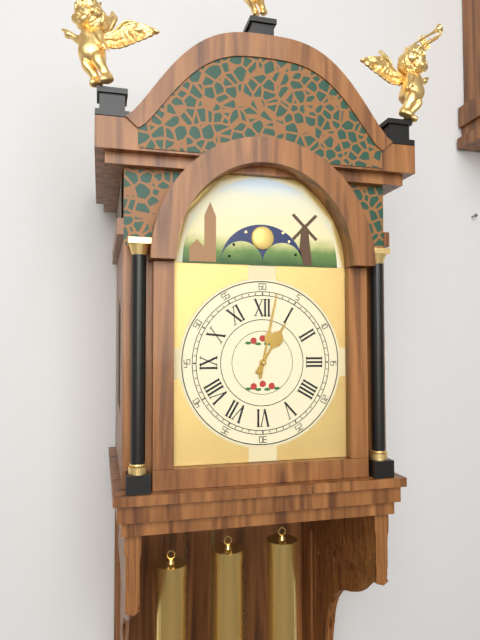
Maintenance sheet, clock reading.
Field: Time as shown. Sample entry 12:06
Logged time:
1:02
